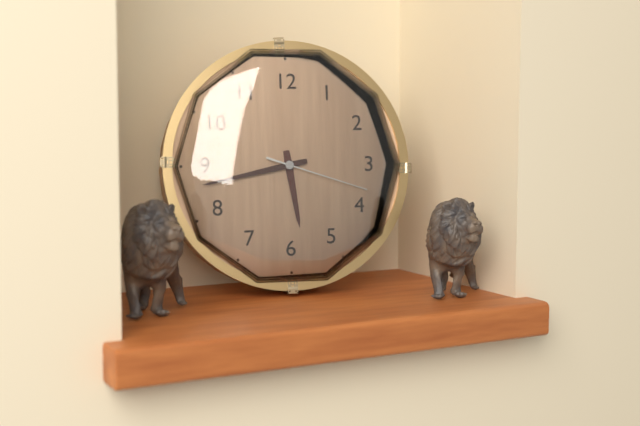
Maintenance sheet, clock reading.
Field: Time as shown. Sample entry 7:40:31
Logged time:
5:43:18
